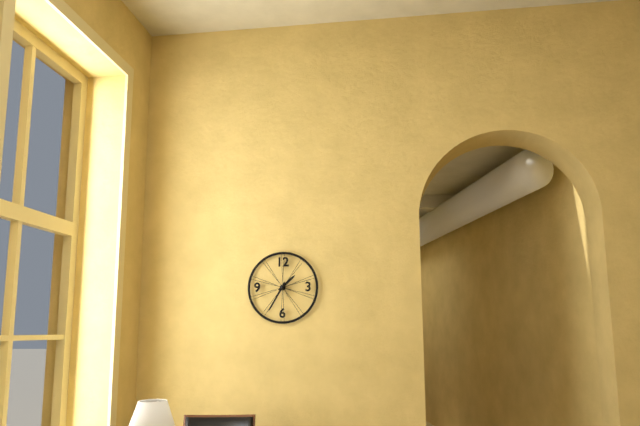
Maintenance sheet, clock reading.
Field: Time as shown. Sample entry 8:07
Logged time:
1:35
